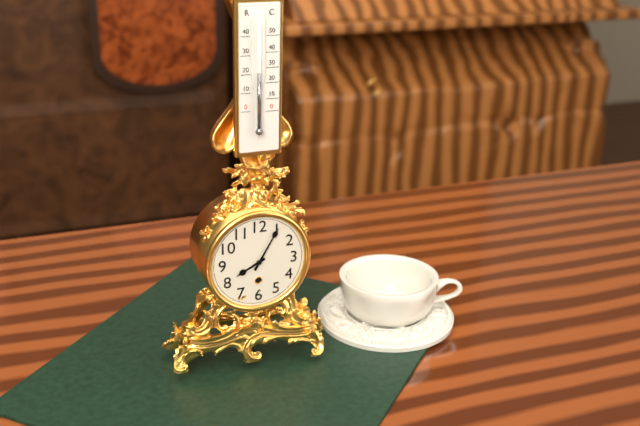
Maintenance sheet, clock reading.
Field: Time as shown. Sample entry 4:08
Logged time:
8:05
